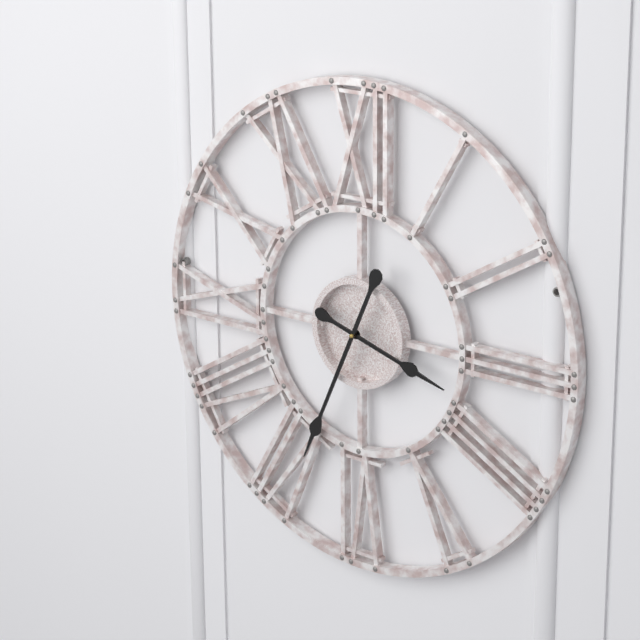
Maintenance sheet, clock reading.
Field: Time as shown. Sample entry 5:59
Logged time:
3:34
